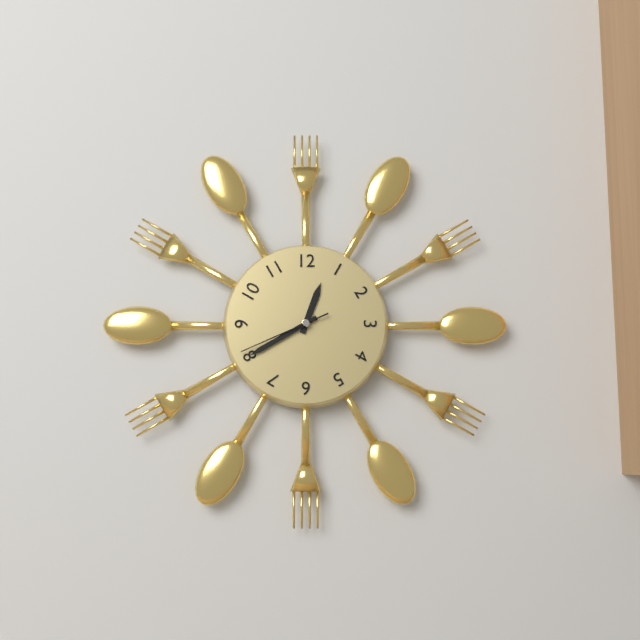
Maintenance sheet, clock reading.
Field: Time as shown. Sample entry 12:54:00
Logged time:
12:40:41
